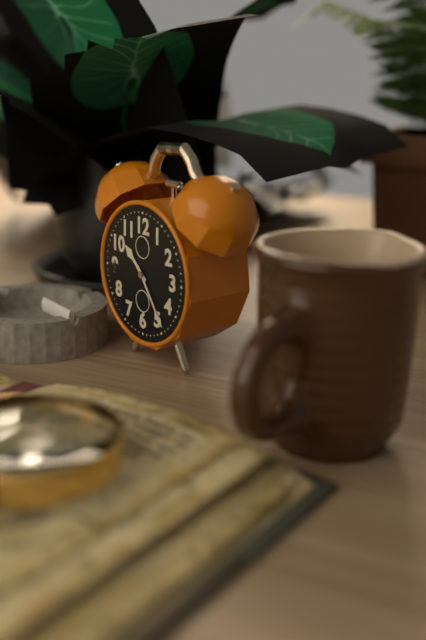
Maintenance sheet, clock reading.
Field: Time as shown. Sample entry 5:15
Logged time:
10:24
